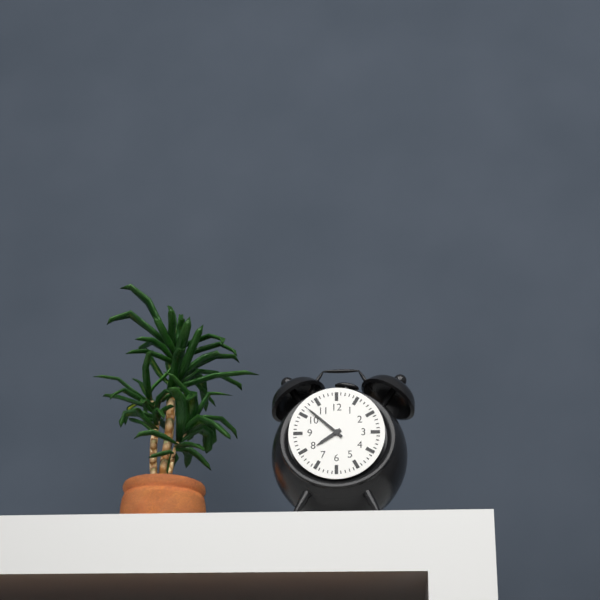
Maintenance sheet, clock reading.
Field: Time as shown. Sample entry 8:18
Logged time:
7:52
